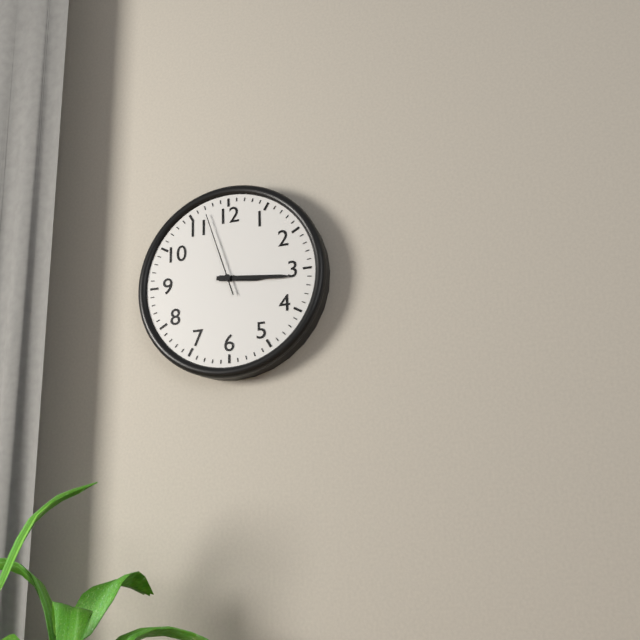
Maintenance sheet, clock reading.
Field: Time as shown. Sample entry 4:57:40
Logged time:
3:16:57
